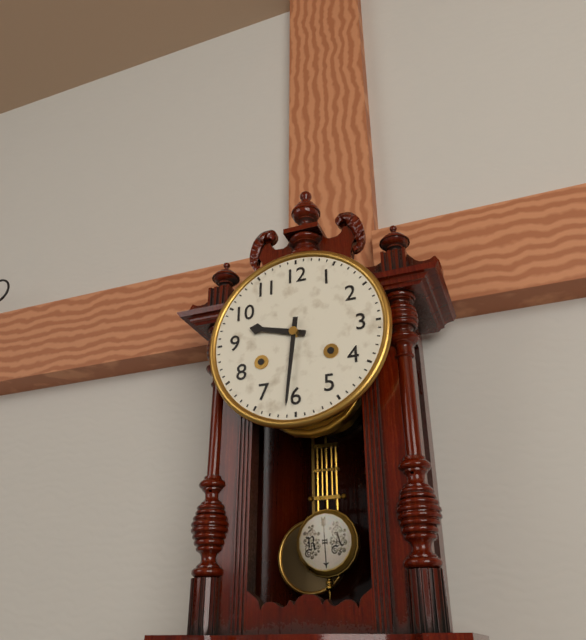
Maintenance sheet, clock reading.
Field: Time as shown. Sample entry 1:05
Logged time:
9:31
